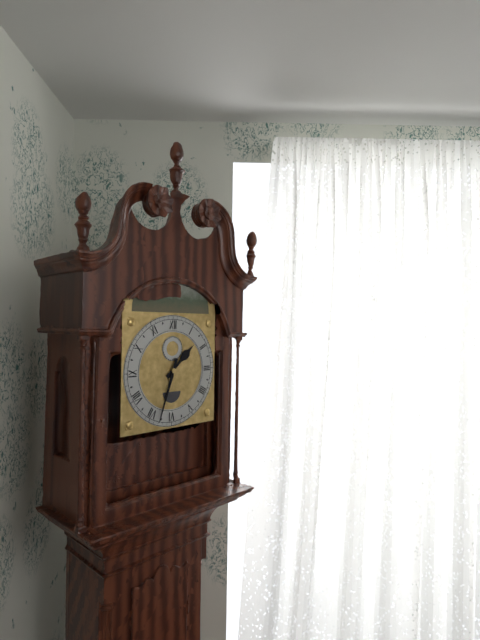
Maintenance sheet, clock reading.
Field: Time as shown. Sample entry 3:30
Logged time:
1:33
